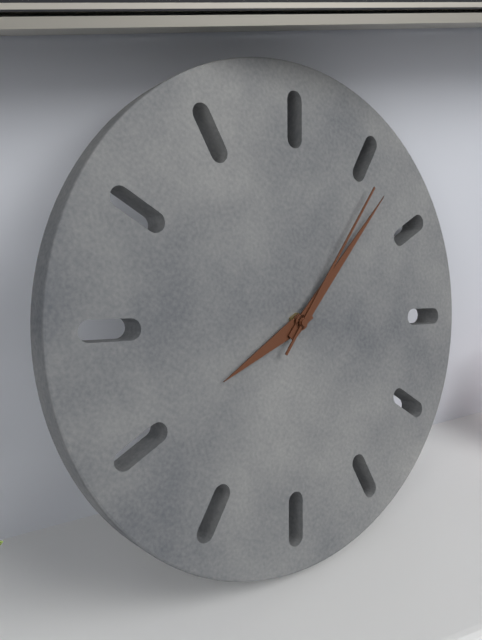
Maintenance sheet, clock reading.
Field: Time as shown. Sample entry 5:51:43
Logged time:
7:02:01
